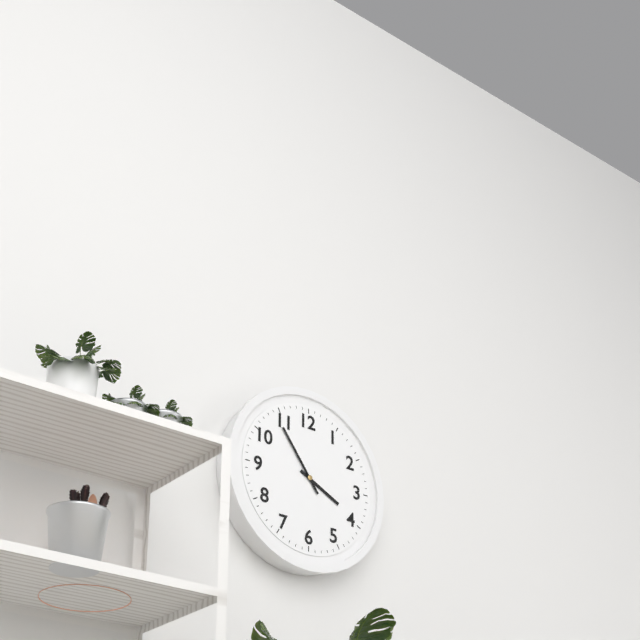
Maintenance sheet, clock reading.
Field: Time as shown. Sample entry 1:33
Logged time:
3:54
